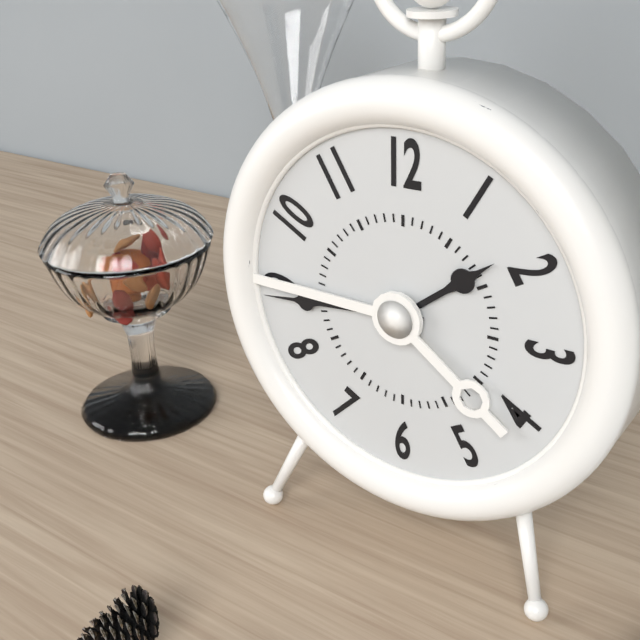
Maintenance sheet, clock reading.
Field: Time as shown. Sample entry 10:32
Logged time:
1:44
